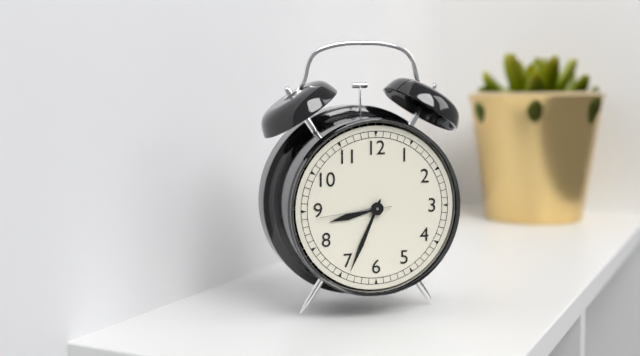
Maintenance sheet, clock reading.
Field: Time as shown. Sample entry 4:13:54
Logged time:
8:34:44
